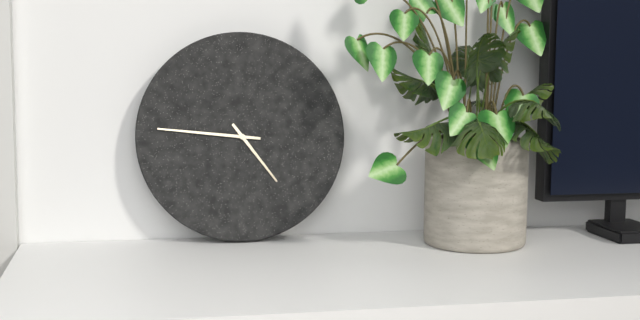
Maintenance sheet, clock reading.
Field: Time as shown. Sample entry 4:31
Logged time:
4:46
